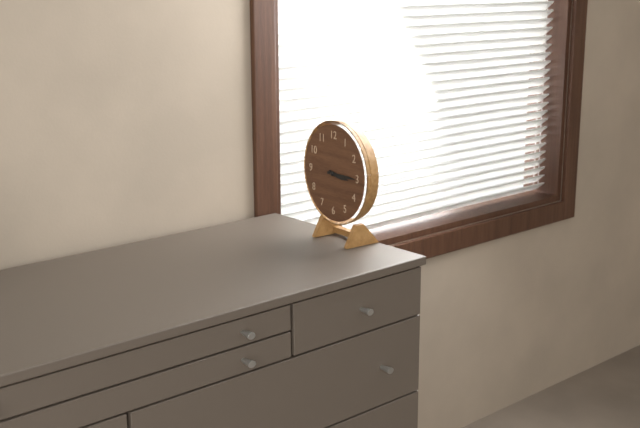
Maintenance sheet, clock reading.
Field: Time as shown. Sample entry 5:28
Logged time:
3:15
